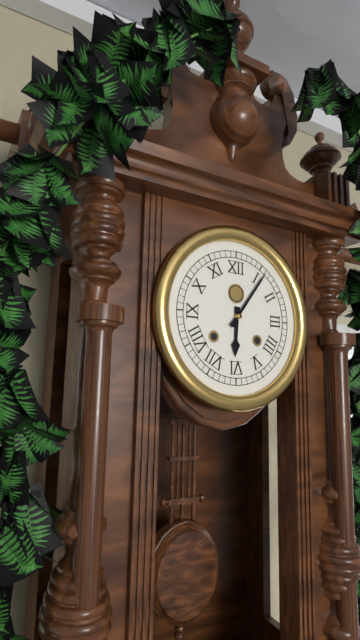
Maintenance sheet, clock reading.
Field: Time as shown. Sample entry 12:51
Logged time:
6:06
